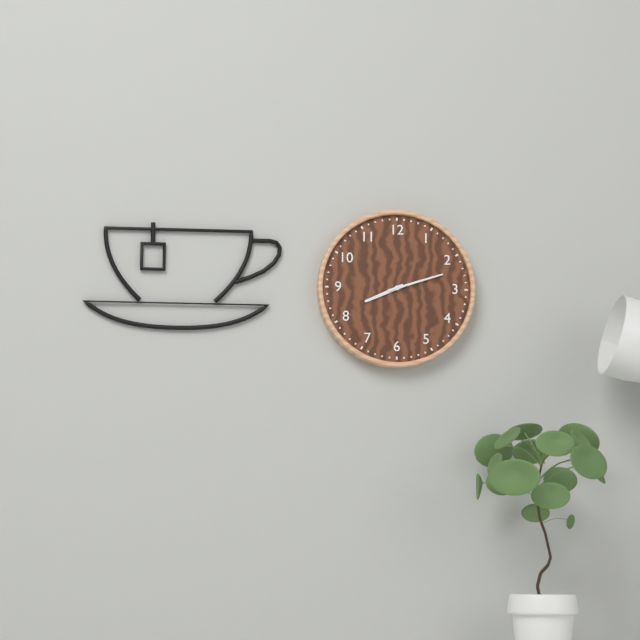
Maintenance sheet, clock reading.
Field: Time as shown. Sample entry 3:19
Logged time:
8:12
